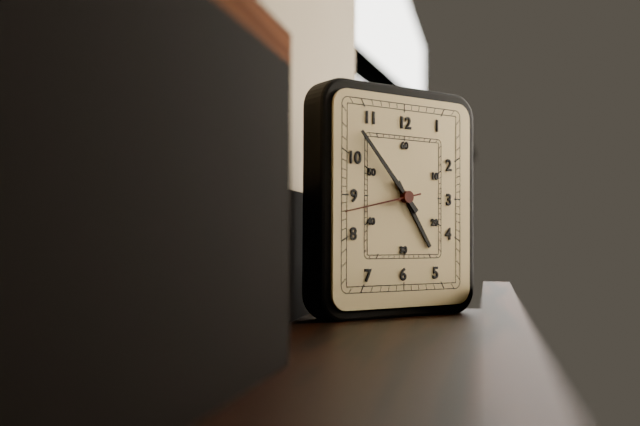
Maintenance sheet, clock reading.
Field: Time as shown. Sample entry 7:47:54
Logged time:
4:53:43
